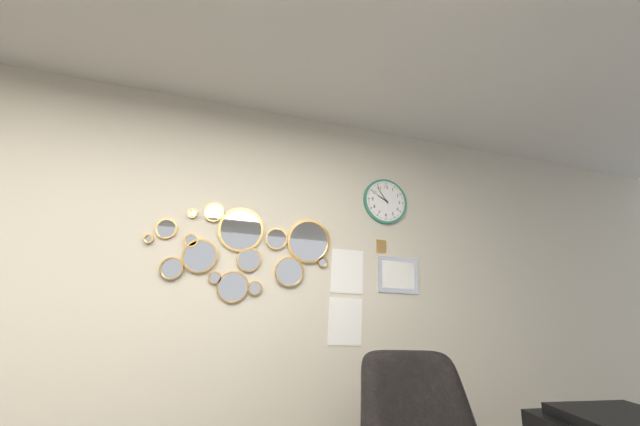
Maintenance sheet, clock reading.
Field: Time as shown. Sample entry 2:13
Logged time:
9:54
